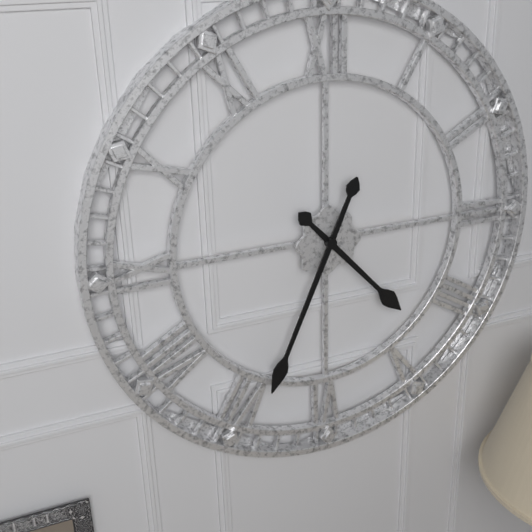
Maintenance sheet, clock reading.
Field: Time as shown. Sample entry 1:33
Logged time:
4:34
